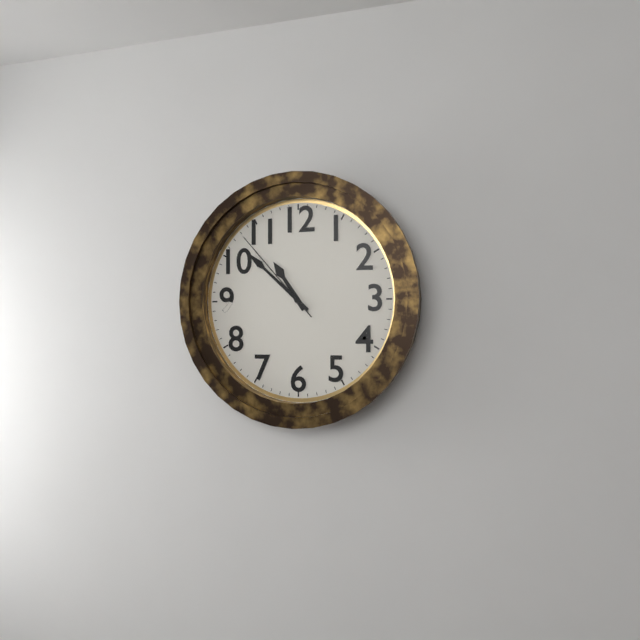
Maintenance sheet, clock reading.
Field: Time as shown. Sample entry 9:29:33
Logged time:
10:52:53
